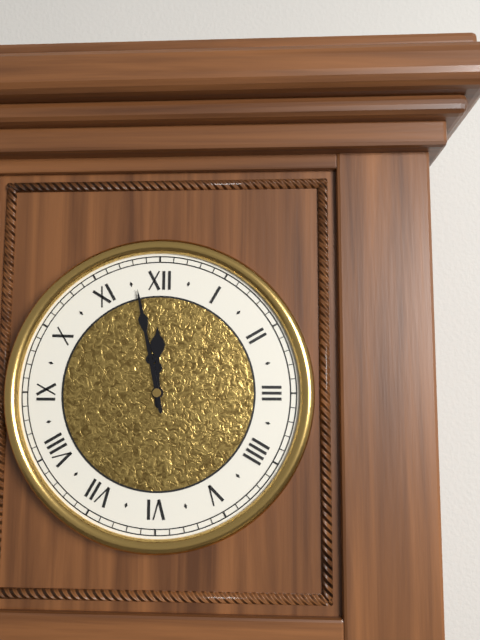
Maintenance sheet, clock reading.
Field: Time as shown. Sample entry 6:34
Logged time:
11:58
